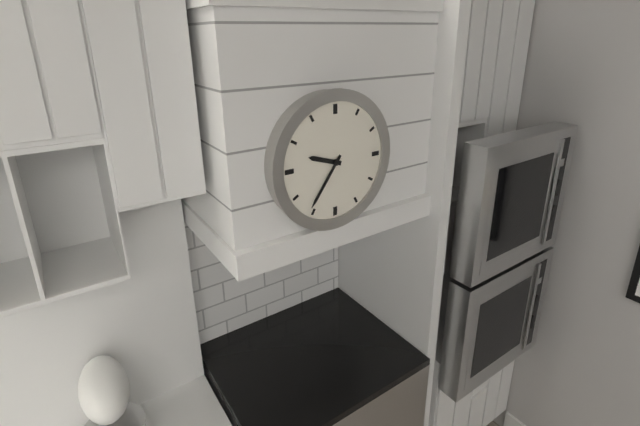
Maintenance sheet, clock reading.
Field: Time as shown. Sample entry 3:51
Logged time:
9:36
